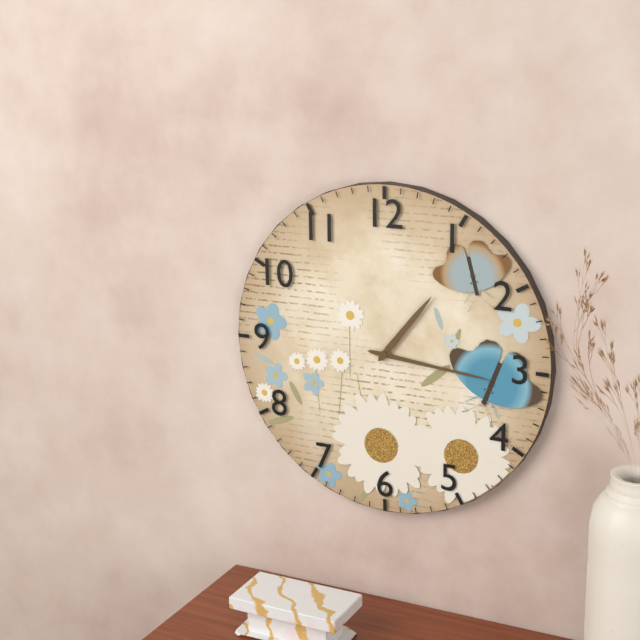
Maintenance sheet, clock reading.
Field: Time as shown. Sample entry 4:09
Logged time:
1:16
